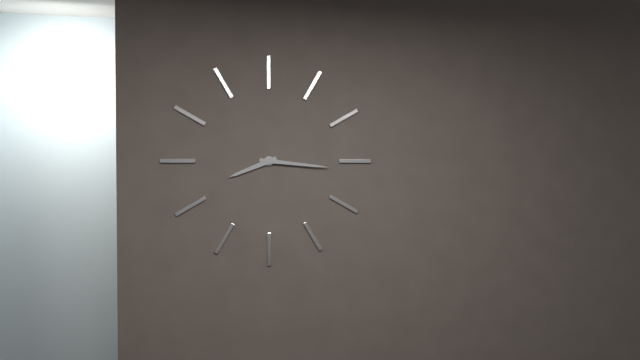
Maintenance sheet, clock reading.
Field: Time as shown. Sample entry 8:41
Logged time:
8:16
